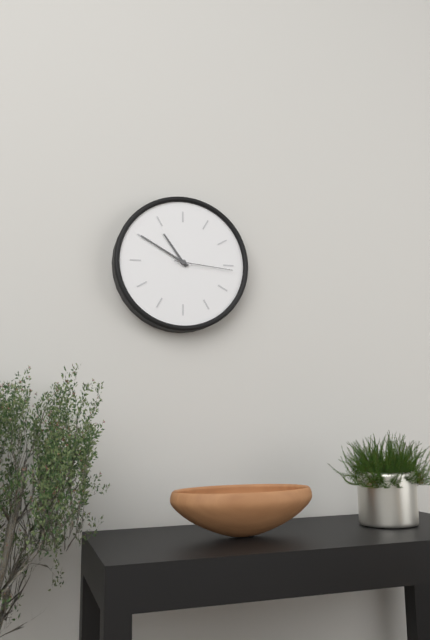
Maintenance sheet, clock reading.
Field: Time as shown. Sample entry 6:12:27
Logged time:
10:50:16
